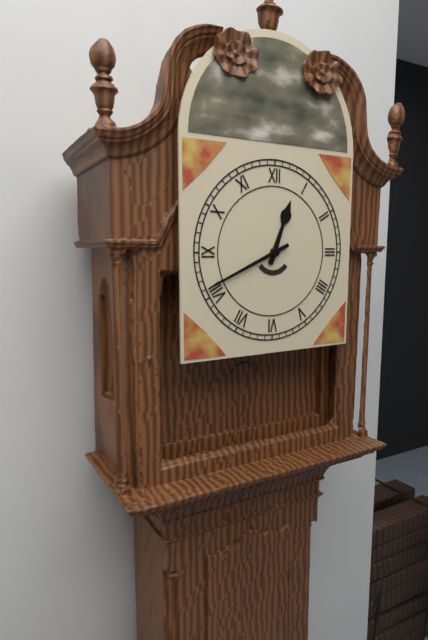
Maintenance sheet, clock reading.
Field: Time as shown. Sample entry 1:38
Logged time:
12:41
